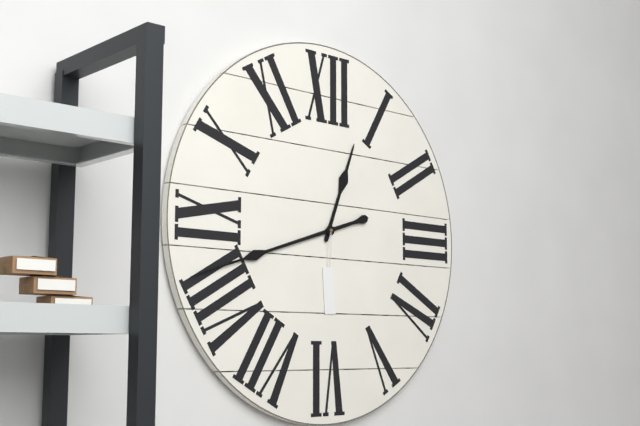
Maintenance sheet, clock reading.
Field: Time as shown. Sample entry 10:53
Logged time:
12:42
